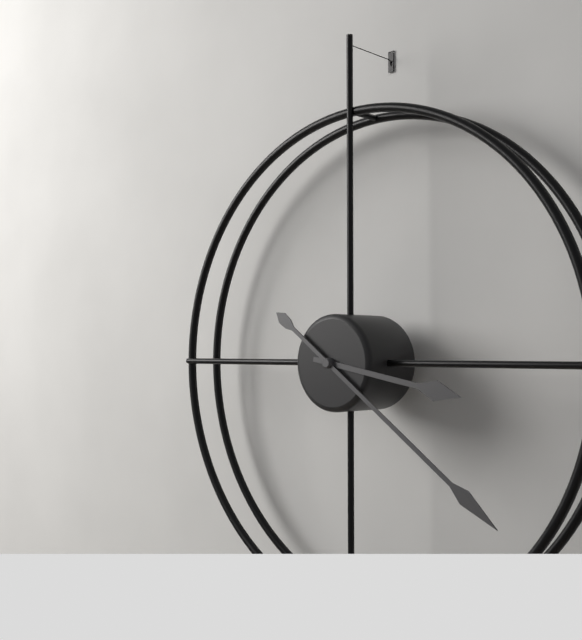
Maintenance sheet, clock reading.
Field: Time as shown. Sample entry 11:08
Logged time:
3:21
